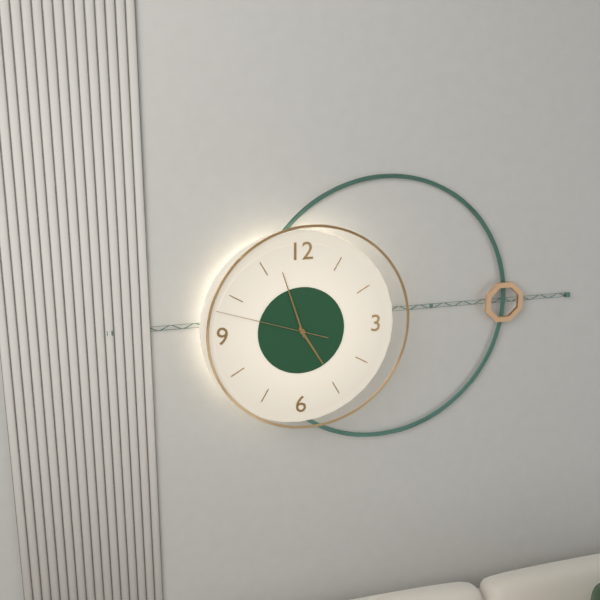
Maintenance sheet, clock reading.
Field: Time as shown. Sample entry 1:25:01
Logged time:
4:57:48
